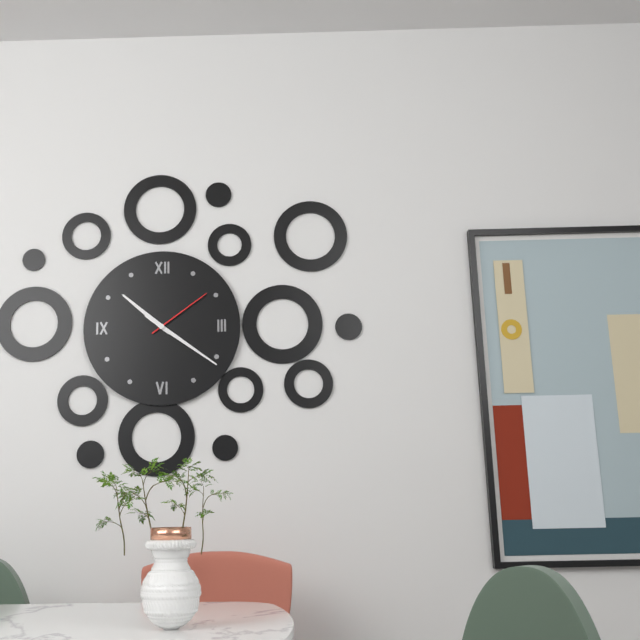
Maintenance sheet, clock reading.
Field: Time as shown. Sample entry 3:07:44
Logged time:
10:21:09
